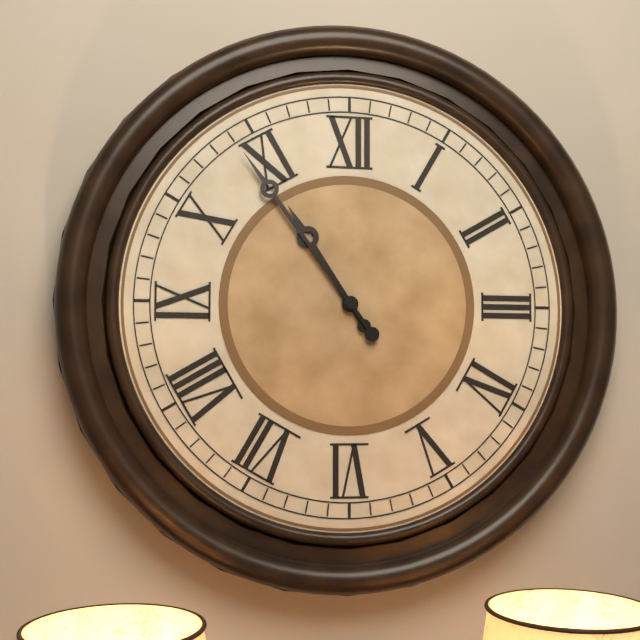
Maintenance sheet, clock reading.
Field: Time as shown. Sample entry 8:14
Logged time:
10:54
